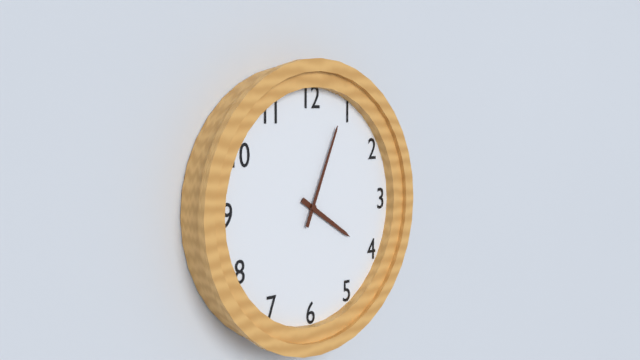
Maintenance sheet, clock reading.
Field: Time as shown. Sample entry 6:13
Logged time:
4:04
